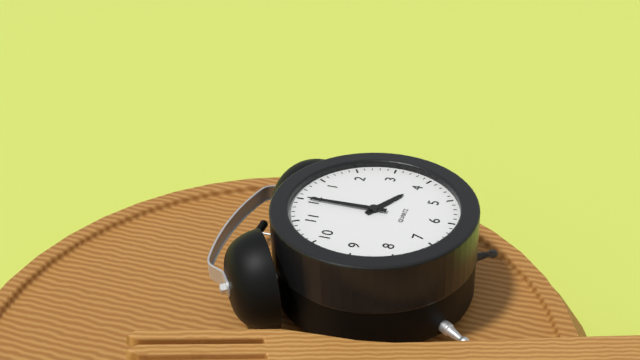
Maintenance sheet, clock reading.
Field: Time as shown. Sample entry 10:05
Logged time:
4:00
